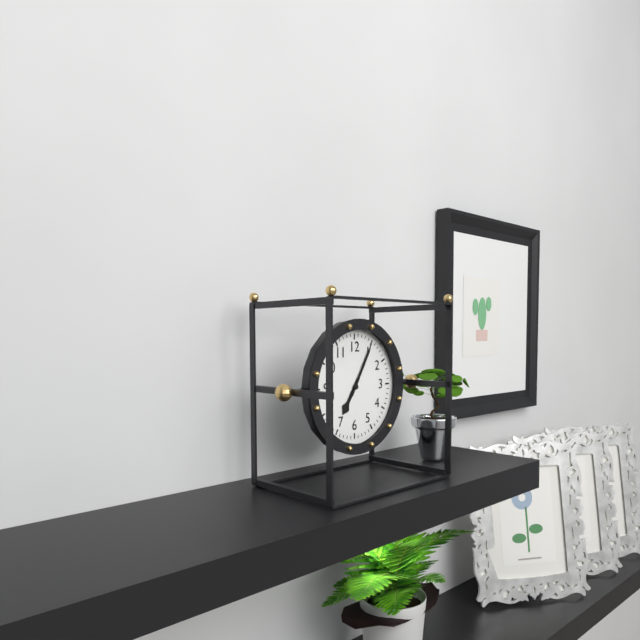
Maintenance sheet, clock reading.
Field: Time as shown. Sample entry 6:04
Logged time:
7:05
